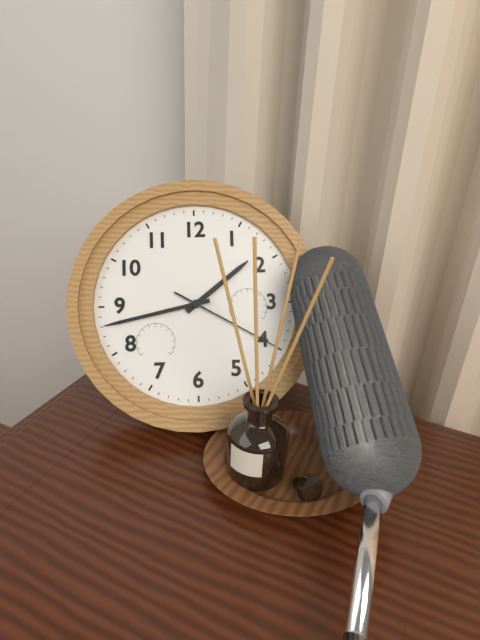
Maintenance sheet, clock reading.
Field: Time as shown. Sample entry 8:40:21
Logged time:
1:43:20
